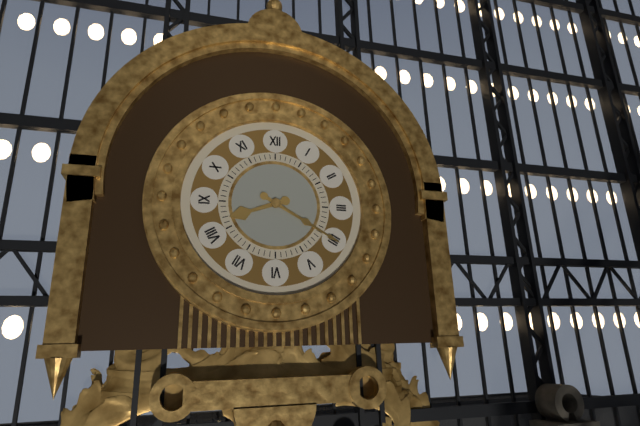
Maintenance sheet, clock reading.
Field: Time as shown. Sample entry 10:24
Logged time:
8:20
